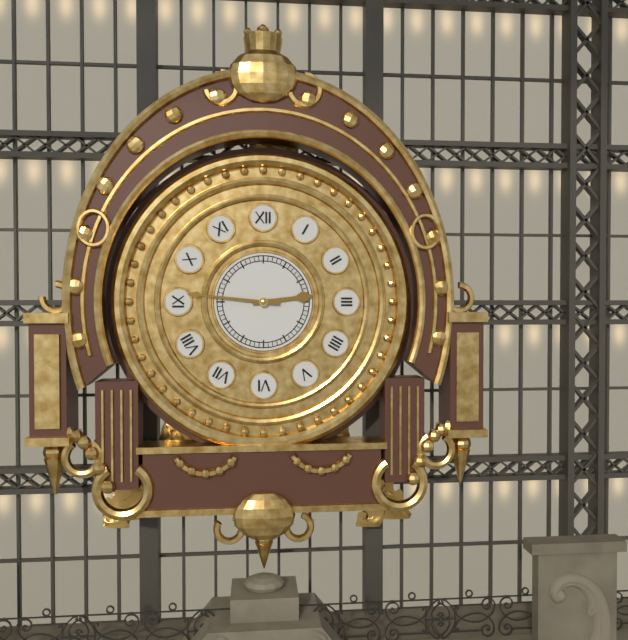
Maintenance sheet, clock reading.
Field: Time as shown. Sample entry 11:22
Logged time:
2:46
